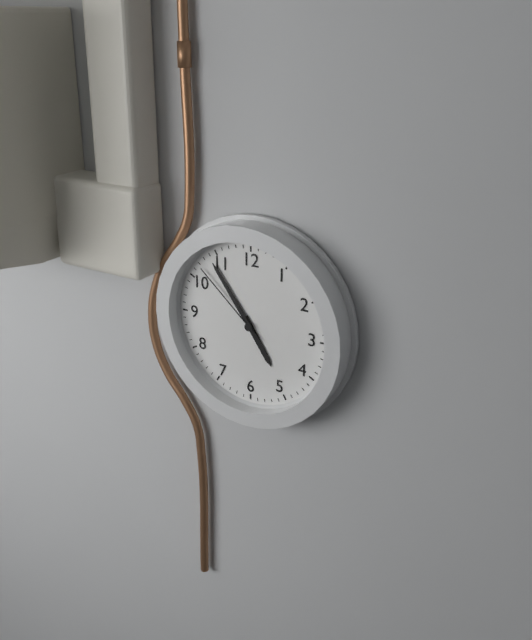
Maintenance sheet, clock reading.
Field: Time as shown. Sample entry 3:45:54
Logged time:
4:54:52
